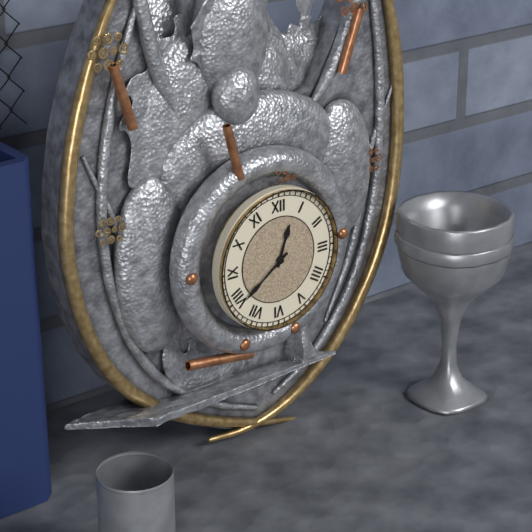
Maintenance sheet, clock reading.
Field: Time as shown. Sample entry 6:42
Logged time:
12:39
